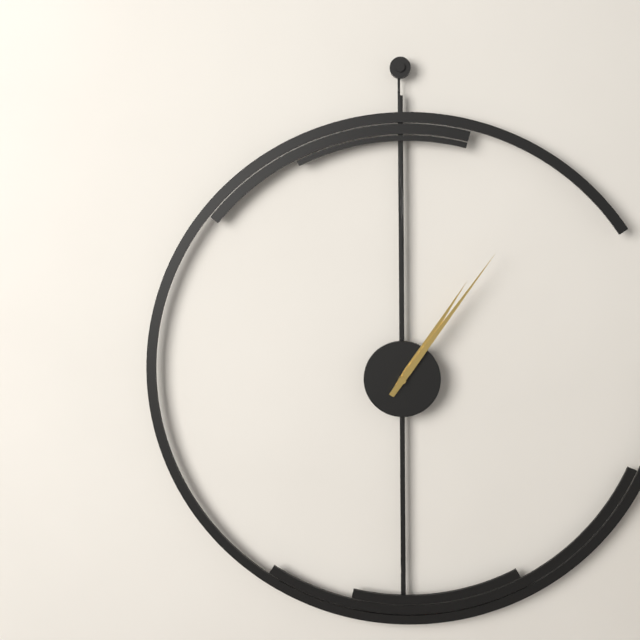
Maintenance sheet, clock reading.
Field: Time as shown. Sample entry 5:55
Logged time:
1:06
